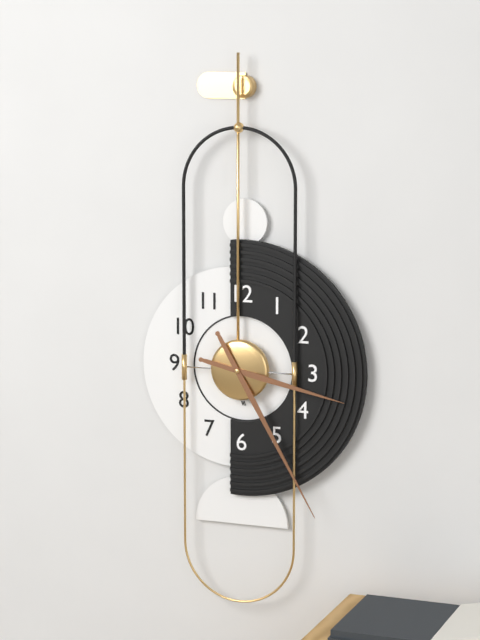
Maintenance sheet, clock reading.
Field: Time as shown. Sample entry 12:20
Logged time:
3:25
